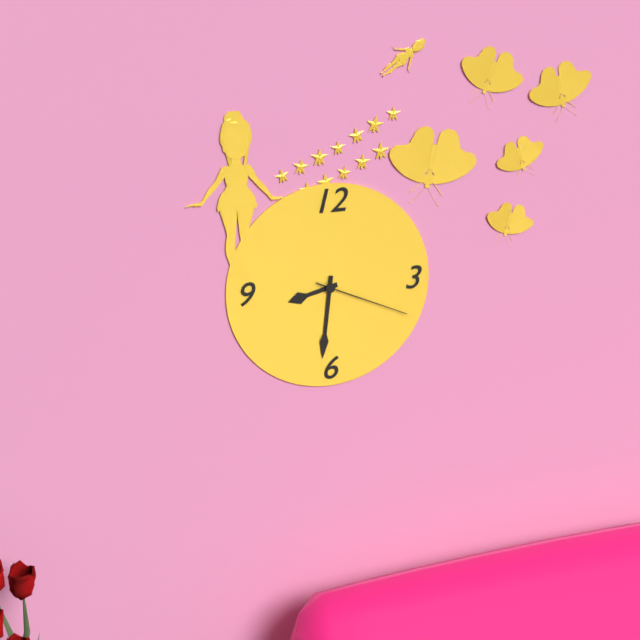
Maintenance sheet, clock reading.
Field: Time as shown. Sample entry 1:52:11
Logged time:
8:31:19
